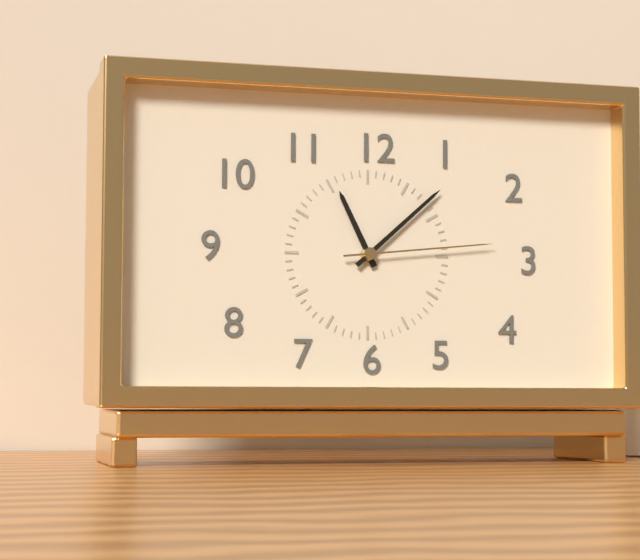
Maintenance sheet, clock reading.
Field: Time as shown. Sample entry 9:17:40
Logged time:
11:08:14
